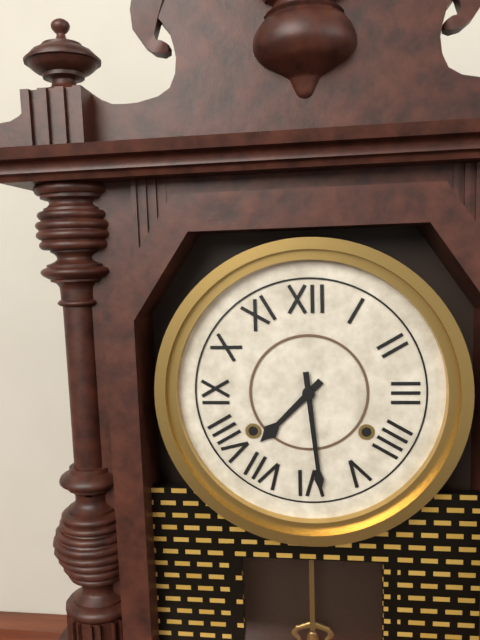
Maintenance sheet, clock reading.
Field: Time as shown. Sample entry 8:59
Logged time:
7:29
